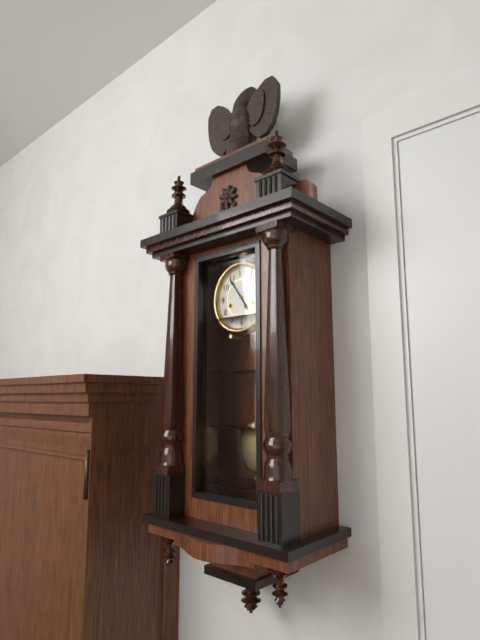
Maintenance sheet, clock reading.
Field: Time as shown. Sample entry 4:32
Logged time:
4:54
